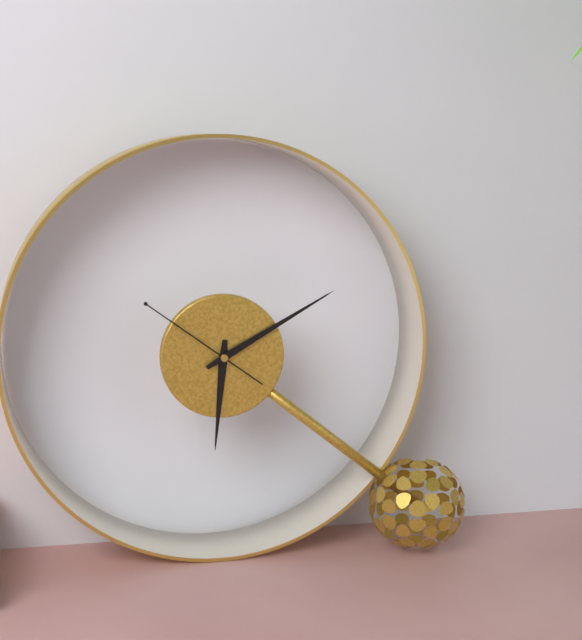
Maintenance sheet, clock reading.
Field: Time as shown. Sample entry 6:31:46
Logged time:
6:10:51
